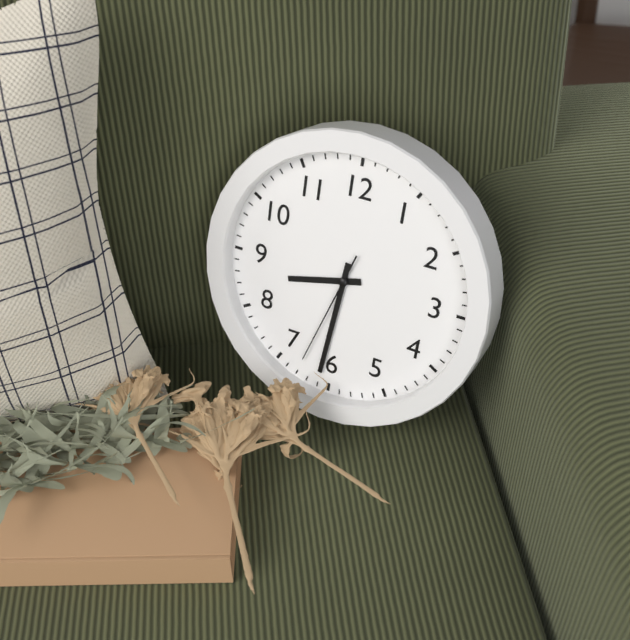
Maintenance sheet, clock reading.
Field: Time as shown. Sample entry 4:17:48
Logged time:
8:31:33
